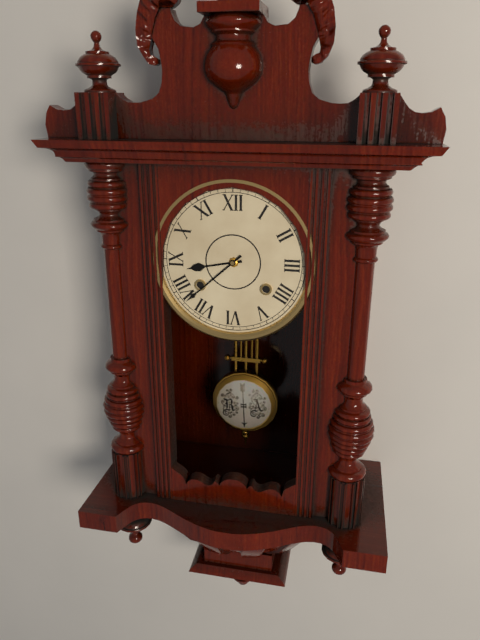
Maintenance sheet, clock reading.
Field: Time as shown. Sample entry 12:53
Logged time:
8:38
